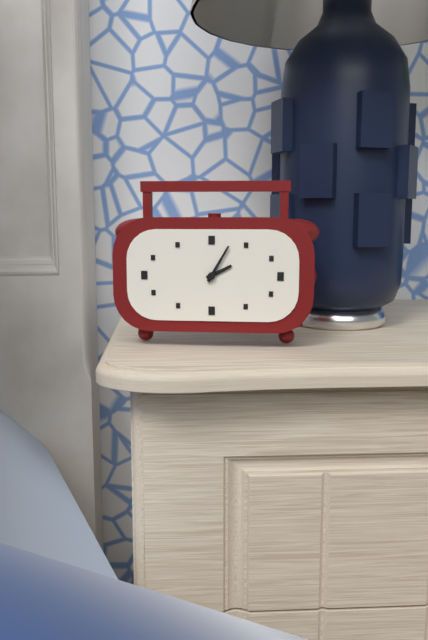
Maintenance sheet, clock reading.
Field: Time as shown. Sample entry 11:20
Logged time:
2:05
